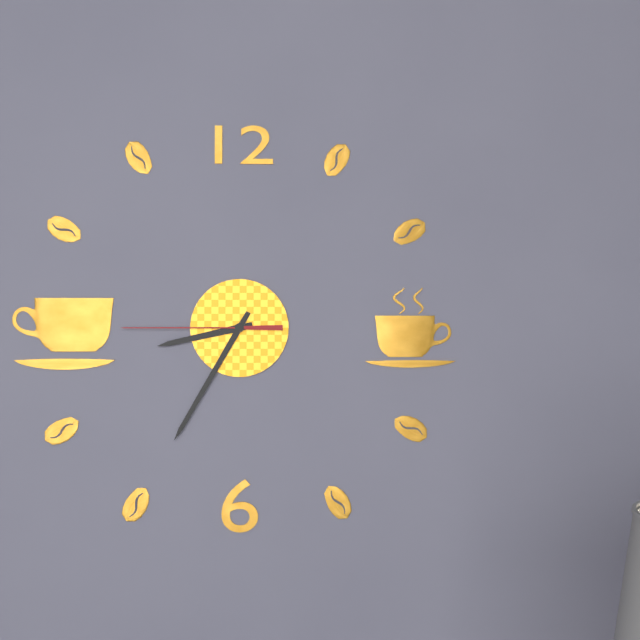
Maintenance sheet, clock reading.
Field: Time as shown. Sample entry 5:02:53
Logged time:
8:35:45
